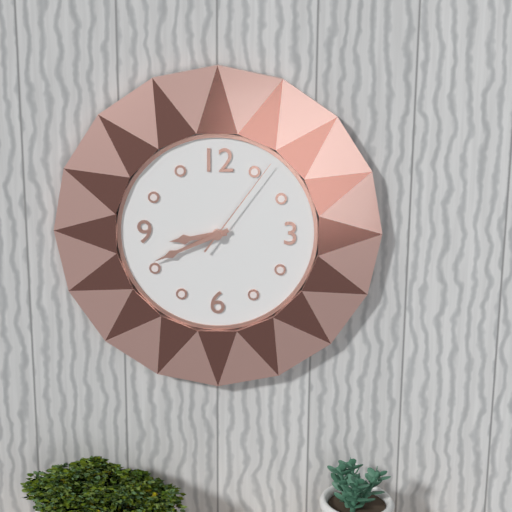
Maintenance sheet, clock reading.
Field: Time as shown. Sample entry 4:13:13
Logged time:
8:41:06
